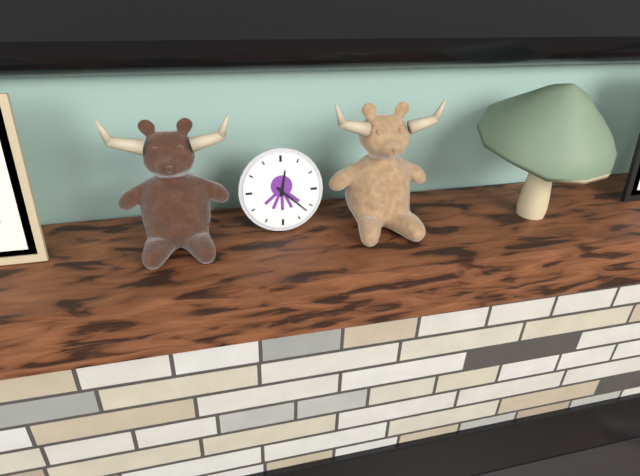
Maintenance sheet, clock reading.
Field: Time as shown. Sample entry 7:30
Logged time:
12:22
